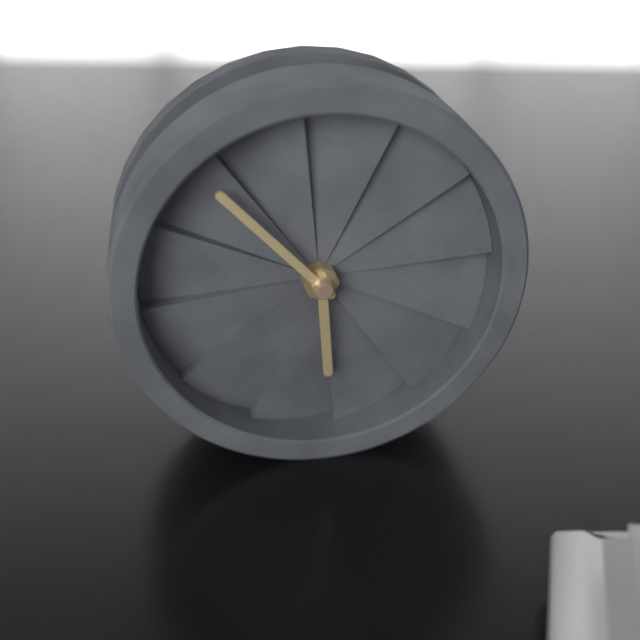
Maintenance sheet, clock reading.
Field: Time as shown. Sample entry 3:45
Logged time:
5:53
